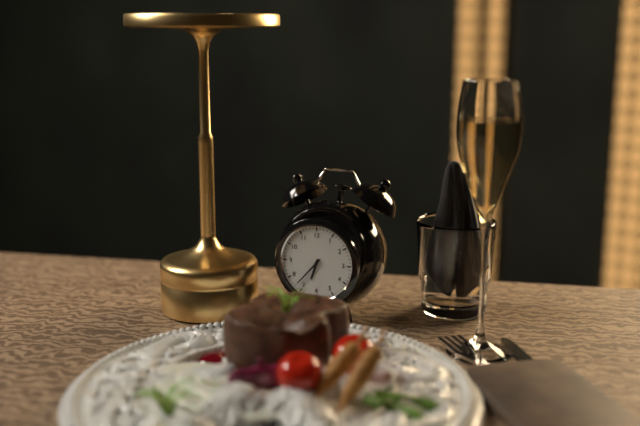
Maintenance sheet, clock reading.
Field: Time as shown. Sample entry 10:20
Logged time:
6:37
